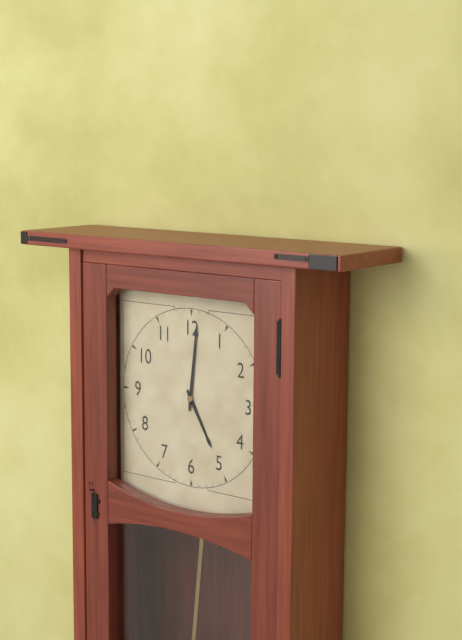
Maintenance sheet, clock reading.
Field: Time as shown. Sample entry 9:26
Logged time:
5:01
